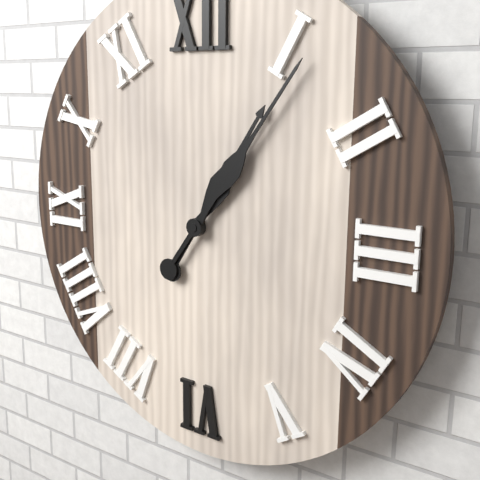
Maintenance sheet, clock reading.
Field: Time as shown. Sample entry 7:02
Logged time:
1:06
